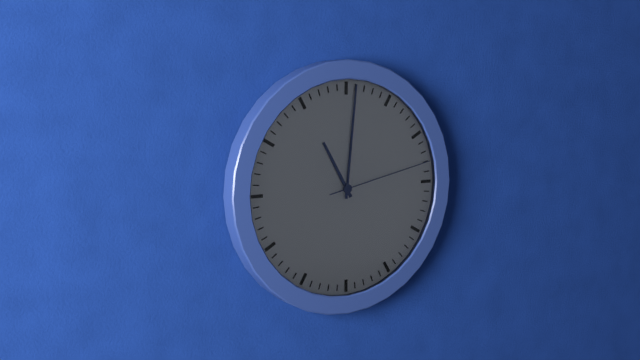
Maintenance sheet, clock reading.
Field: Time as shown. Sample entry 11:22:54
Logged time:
11:01:13
